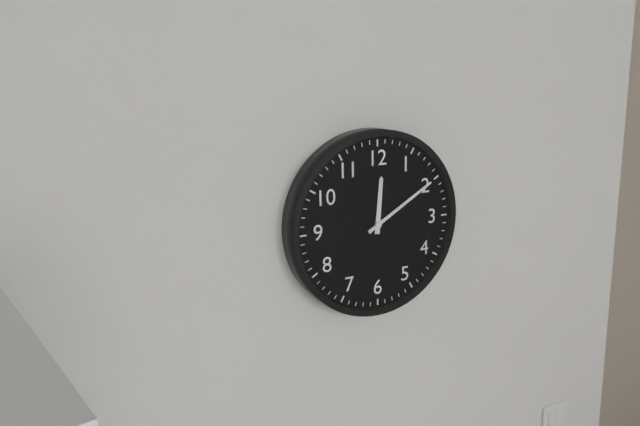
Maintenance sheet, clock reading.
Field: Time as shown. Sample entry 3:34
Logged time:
12:10
